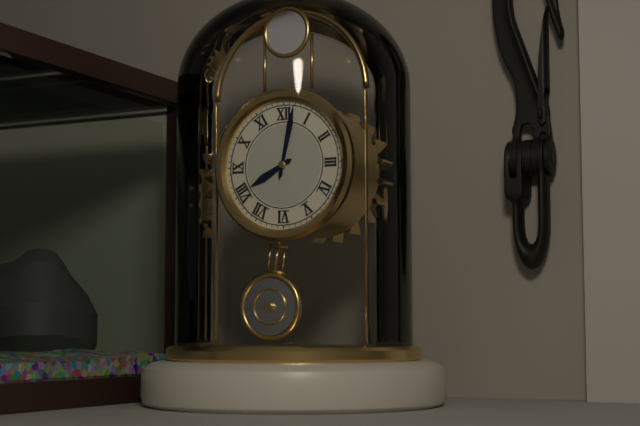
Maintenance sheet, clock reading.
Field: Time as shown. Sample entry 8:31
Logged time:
8:02
